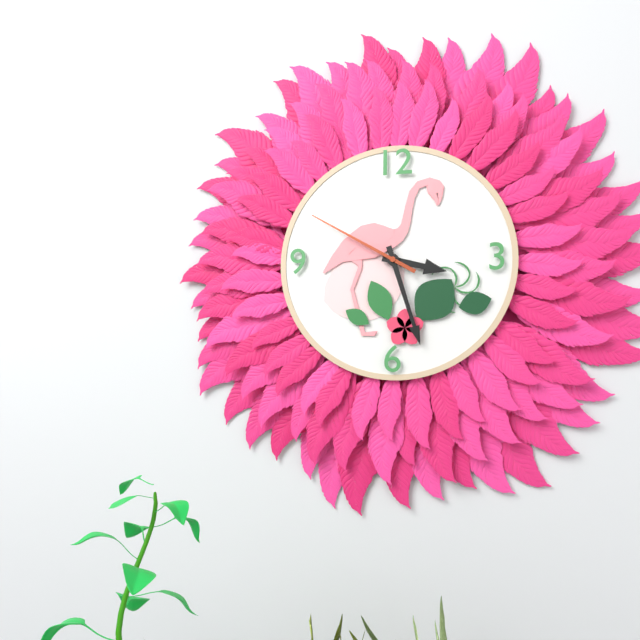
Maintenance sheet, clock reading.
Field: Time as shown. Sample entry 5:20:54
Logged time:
3:27:50
